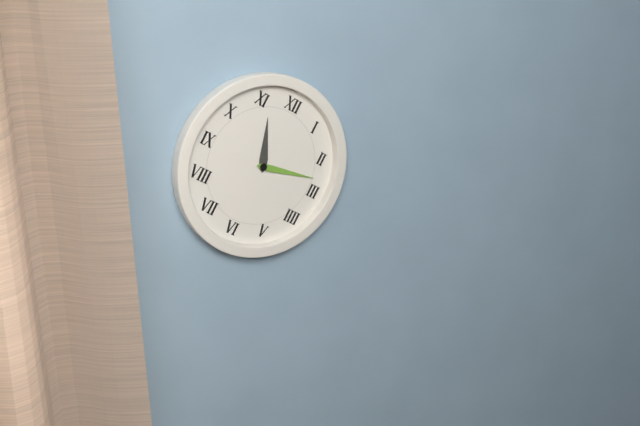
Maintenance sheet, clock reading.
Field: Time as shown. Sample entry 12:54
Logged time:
11:13
